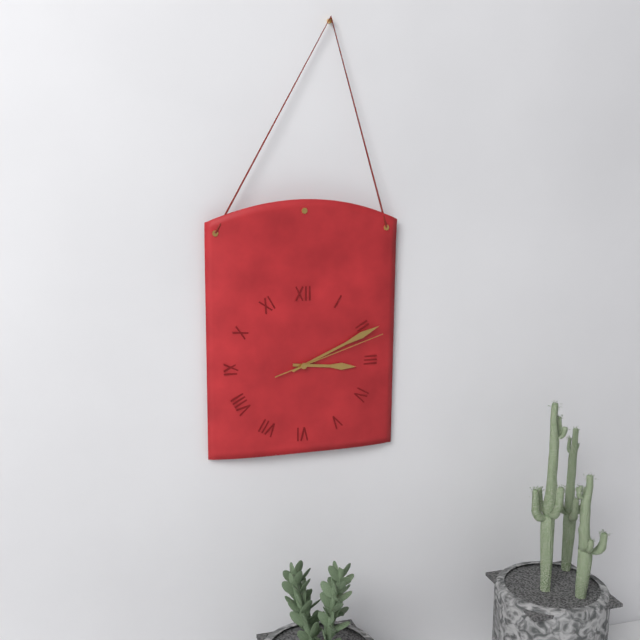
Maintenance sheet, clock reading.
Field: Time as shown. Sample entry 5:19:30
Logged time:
3:11:12
